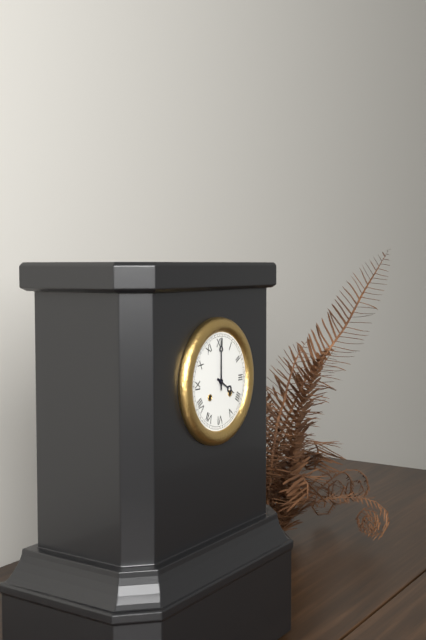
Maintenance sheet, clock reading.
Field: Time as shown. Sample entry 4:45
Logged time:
4:00
